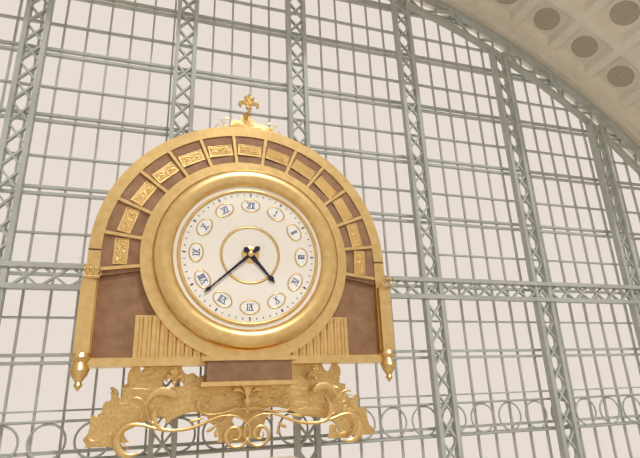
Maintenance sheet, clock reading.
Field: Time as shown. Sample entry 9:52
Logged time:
4:38
